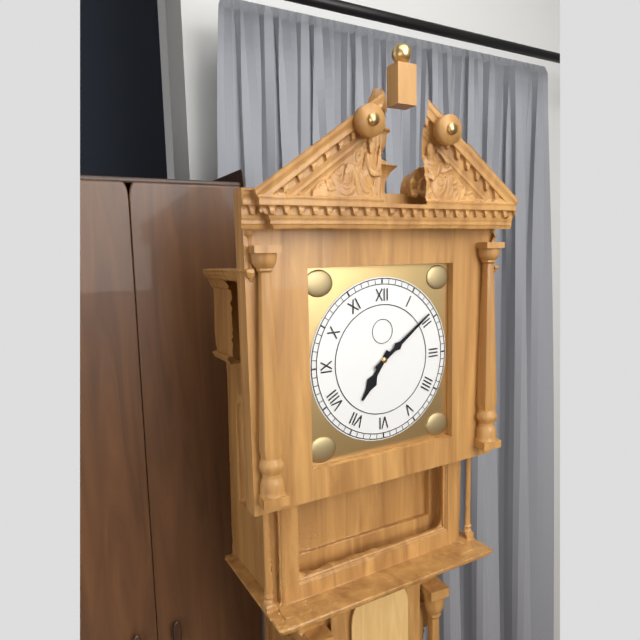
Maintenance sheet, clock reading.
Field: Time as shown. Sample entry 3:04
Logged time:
7:09
